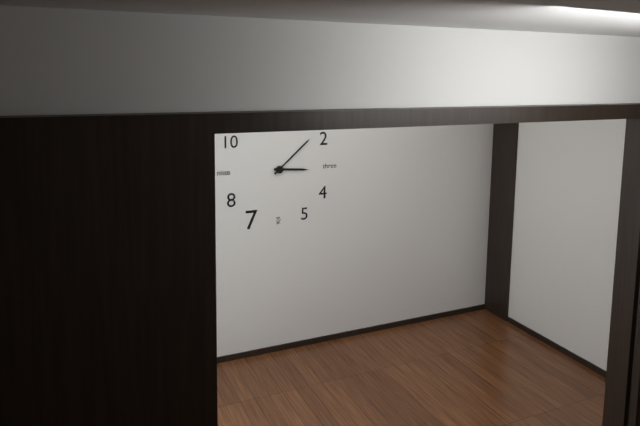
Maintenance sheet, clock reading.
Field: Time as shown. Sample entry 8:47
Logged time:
3:08
